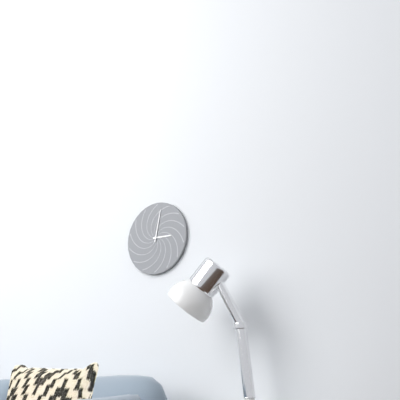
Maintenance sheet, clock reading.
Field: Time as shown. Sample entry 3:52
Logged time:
3:02
